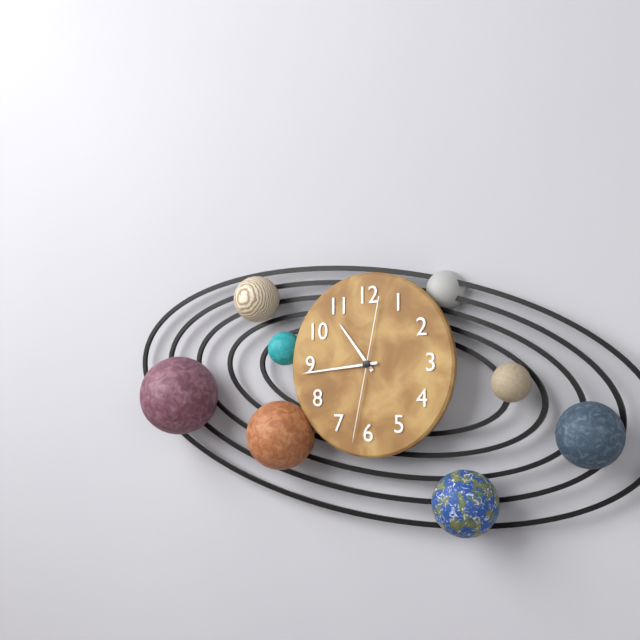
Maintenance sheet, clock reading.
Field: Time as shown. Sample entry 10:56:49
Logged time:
10:44:32
